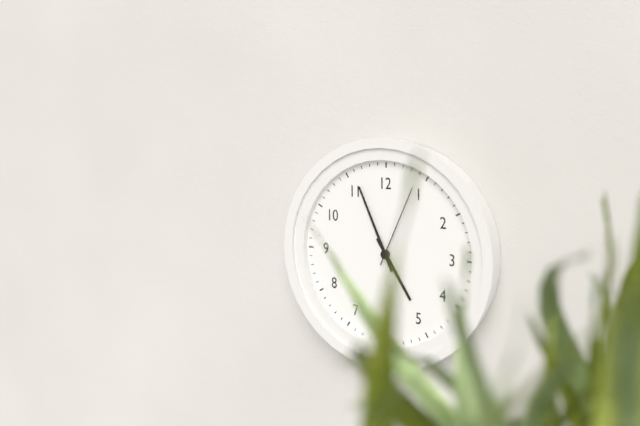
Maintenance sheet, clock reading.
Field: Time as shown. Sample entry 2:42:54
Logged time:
4:56:04
